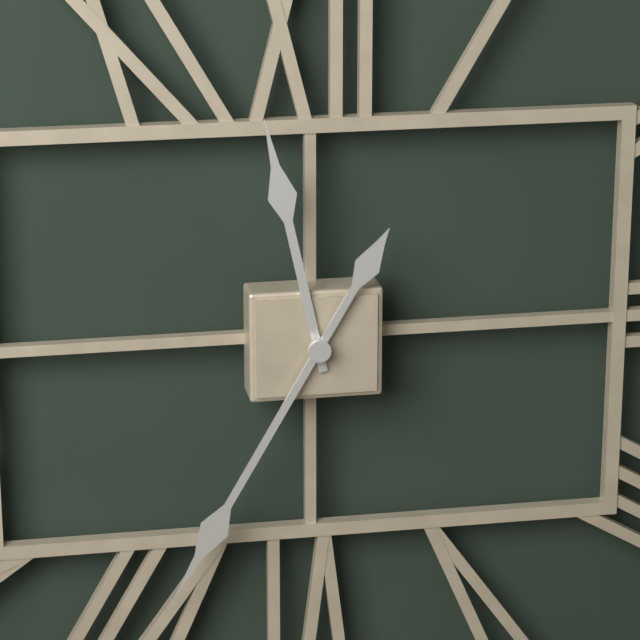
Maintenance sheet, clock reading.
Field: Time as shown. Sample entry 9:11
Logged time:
11:35
